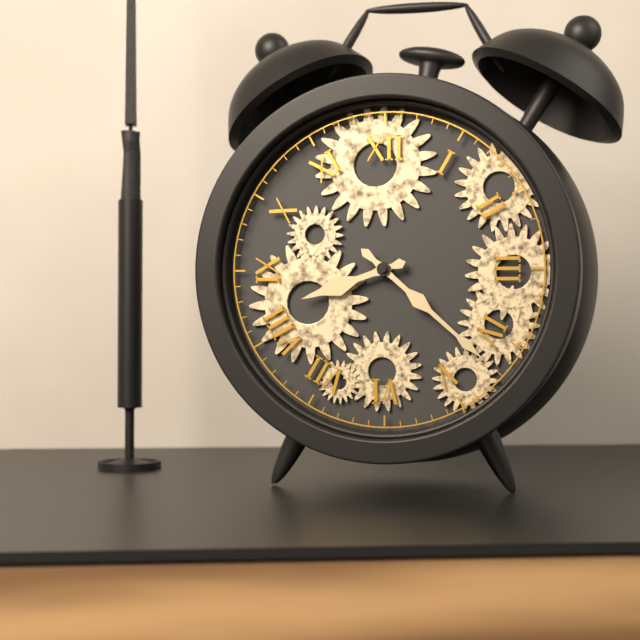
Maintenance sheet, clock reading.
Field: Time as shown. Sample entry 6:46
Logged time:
8:22
